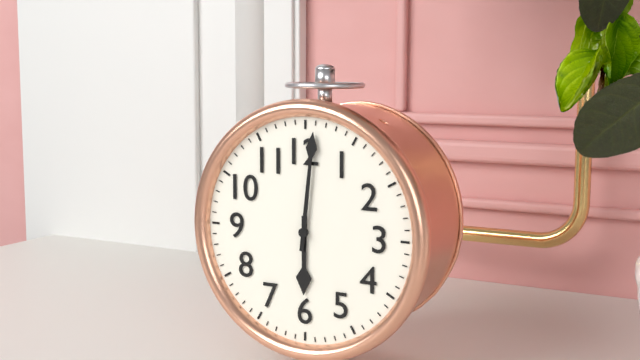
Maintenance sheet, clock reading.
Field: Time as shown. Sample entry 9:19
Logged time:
6:01
